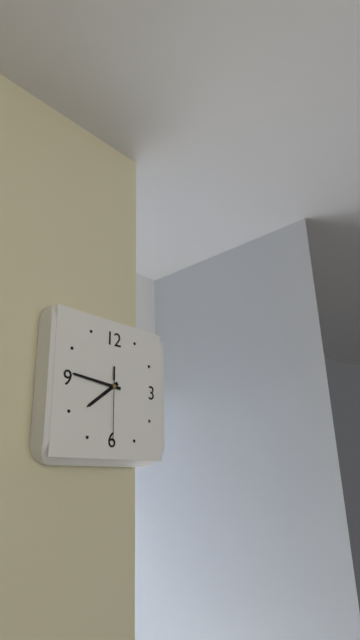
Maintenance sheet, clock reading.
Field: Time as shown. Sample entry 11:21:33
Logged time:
7:46:30
